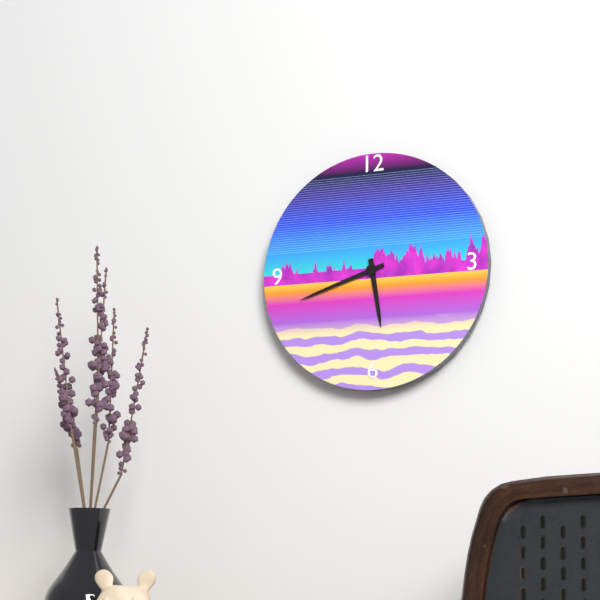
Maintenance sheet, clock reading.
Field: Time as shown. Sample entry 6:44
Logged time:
5:42
